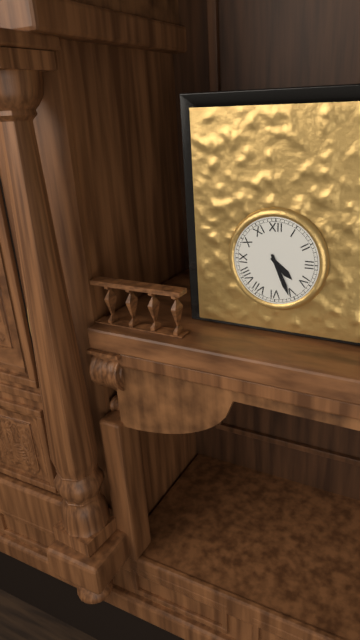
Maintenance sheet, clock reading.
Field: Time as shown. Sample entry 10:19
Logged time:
4:26
